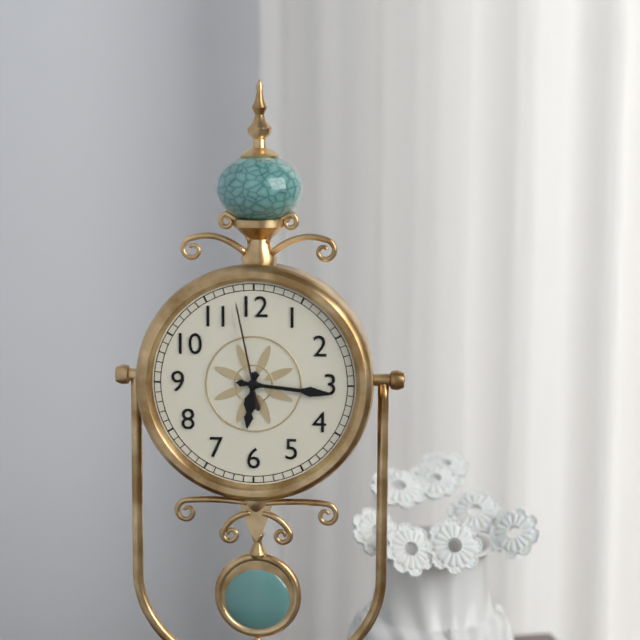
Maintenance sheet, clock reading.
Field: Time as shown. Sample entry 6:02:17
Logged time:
6:16:58
